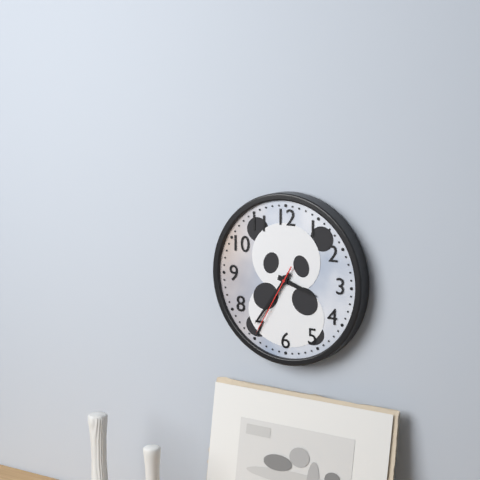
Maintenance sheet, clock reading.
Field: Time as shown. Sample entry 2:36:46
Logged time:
3:36:35
